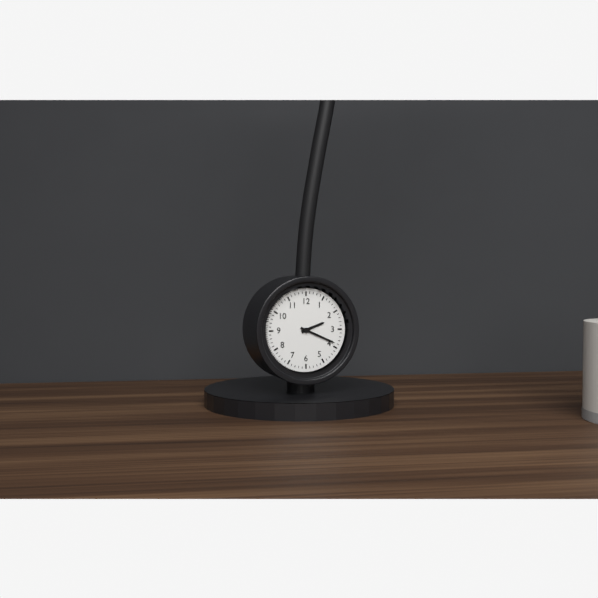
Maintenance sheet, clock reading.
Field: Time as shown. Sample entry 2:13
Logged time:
2:19
